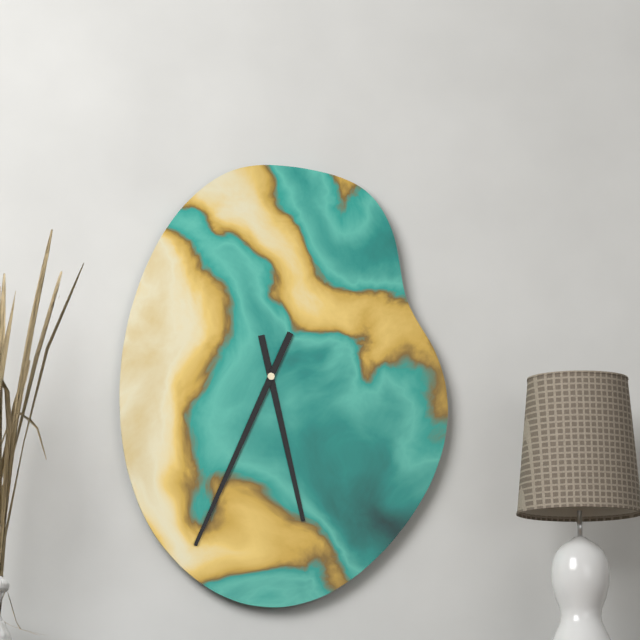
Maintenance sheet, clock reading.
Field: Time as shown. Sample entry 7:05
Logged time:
5:34
